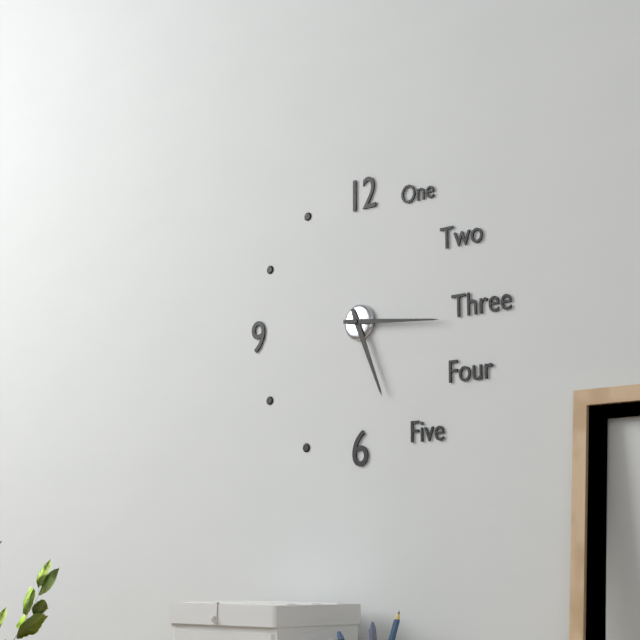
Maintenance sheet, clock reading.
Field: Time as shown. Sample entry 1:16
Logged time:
5:16
